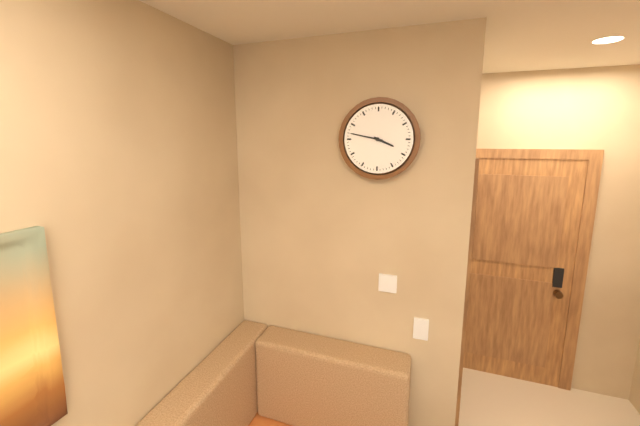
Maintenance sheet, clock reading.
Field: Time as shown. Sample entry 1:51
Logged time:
3:47
